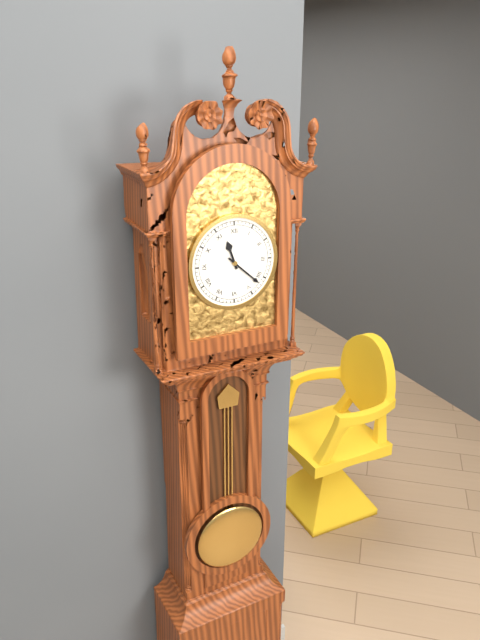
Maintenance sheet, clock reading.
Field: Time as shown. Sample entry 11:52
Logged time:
11:22
